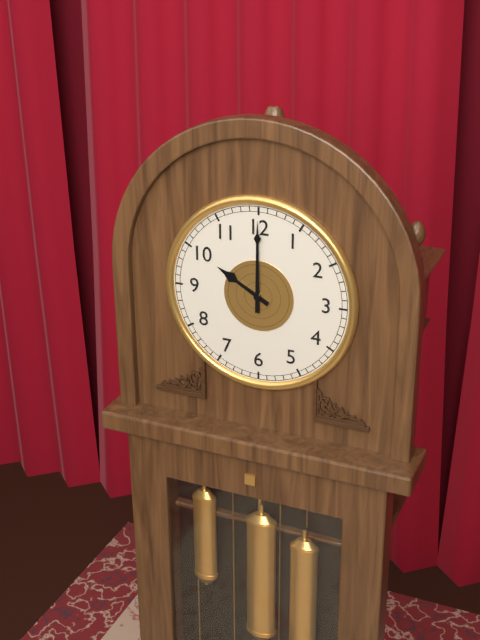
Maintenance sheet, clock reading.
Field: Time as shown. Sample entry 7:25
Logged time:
10:00
